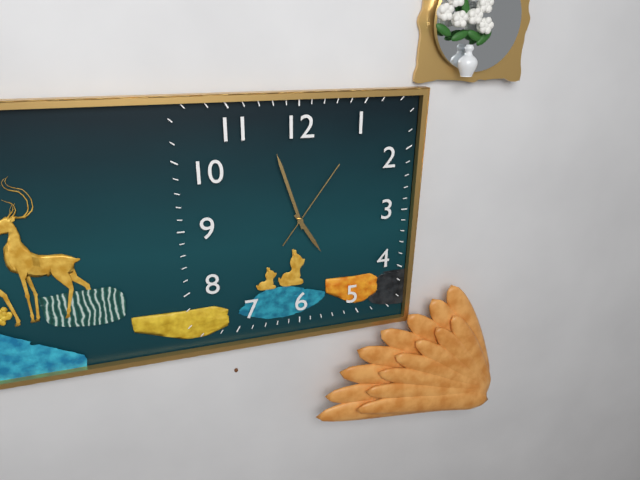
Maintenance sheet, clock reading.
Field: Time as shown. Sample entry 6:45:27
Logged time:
4:57:06
